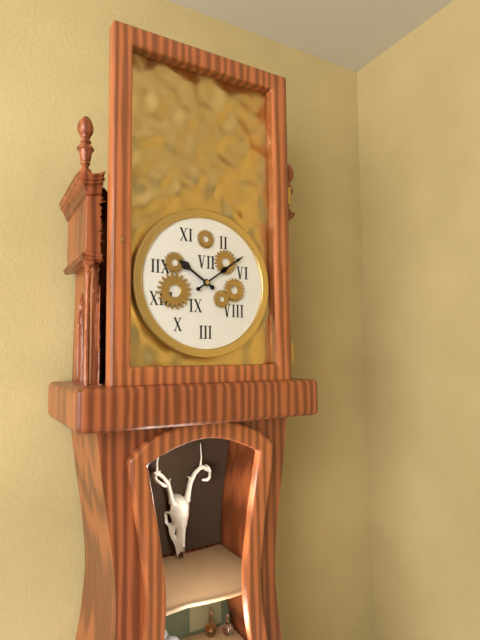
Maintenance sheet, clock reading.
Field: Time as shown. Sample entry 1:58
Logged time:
10:09
